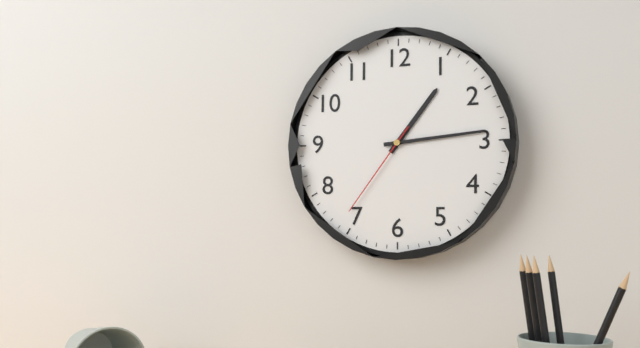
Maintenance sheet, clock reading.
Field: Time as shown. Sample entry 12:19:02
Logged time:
1:14:36
